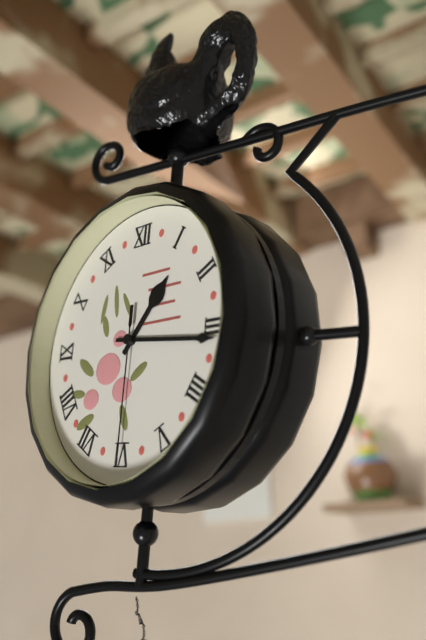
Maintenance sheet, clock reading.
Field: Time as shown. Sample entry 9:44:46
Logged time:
1:16:30
